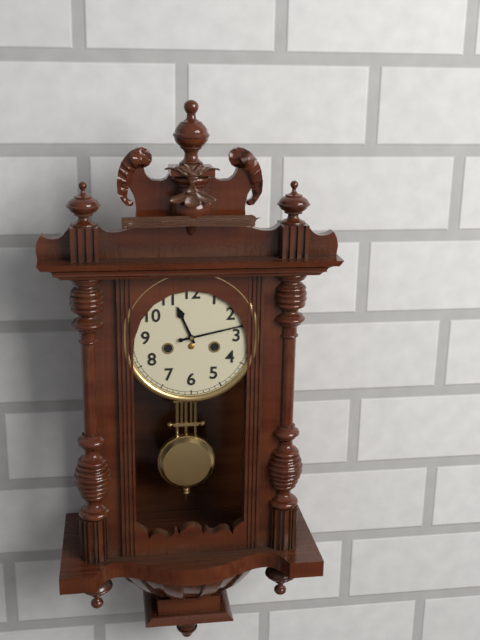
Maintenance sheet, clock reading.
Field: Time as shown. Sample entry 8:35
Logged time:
11:13
